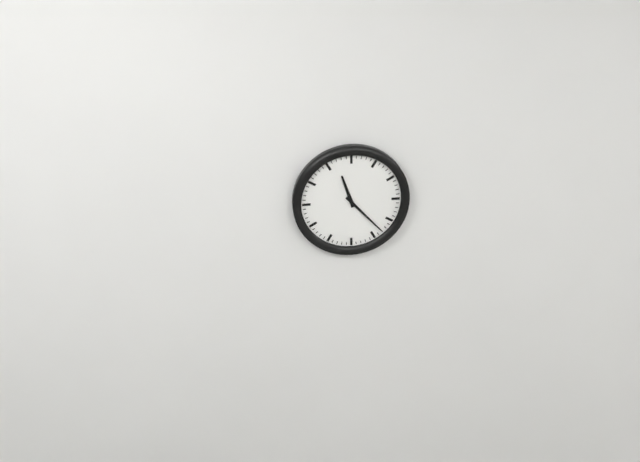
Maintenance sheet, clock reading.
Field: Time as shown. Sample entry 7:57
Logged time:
11:23
